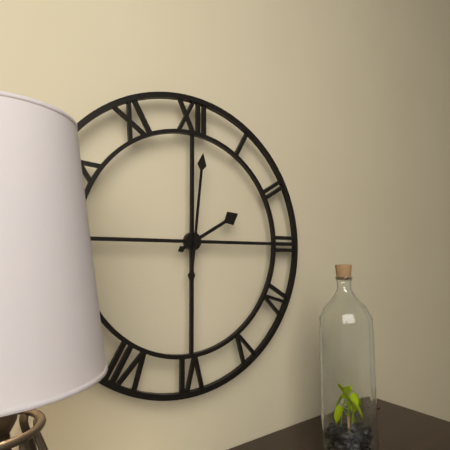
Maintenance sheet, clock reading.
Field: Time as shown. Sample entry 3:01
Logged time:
2:01
